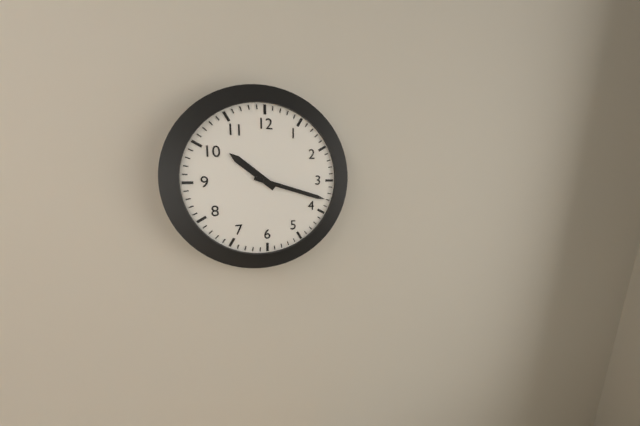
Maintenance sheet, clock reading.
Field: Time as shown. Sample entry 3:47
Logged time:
10:18
